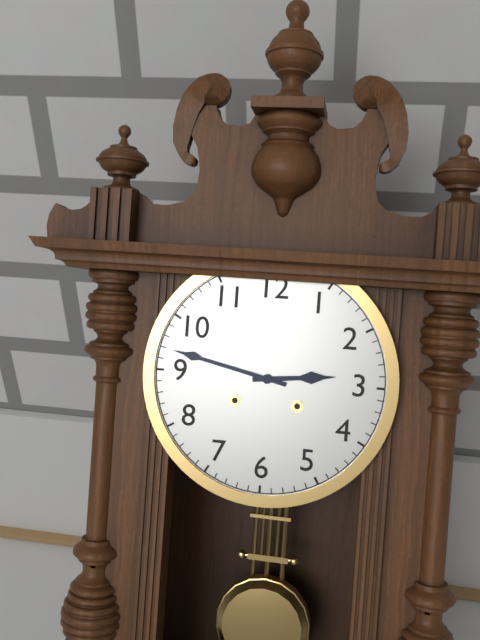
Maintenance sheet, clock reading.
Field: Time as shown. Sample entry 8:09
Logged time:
2:47
